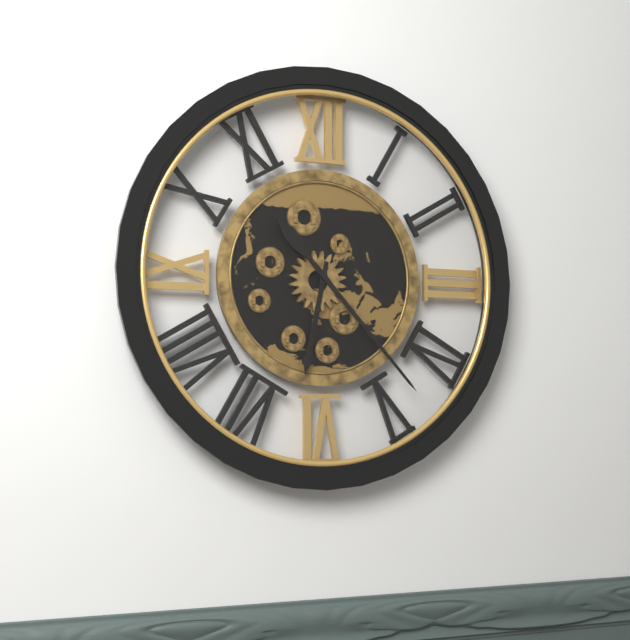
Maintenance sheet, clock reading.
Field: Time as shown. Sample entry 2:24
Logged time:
6:23
